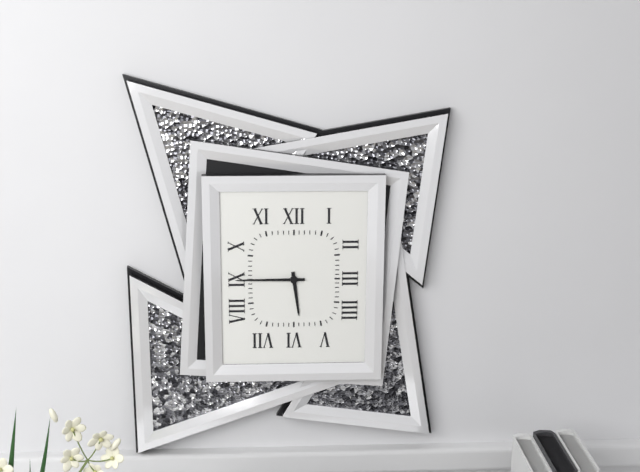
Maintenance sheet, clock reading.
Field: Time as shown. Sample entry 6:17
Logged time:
5:45
